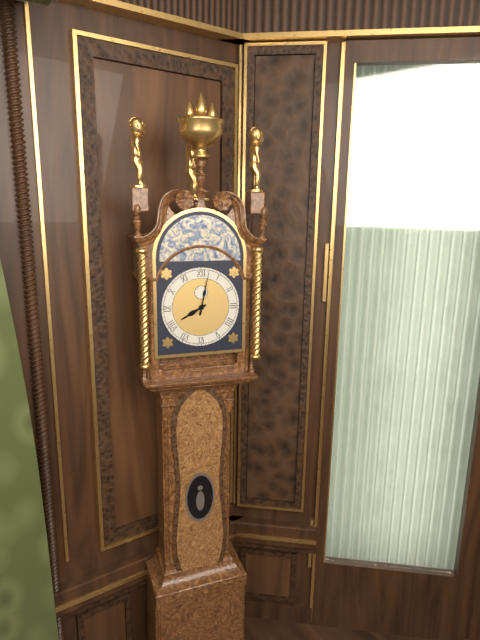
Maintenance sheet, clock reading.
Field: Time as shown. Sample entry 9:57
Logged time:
8:02
